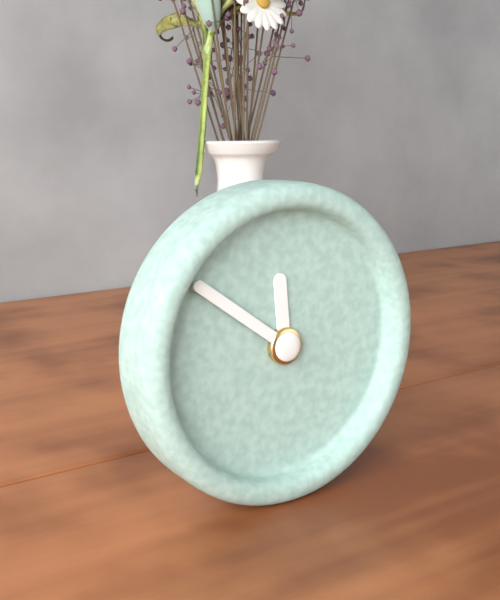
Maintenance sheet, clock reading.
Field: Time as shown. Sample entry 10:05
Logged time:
11:51
